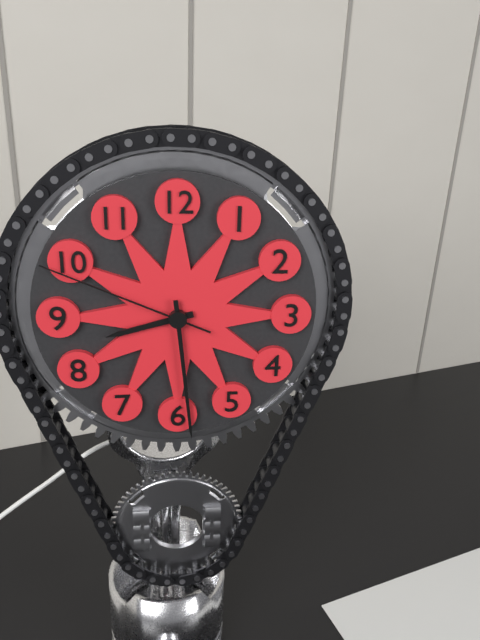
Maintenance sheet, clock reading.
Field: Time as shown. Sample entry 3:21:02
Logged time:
8:29:49
